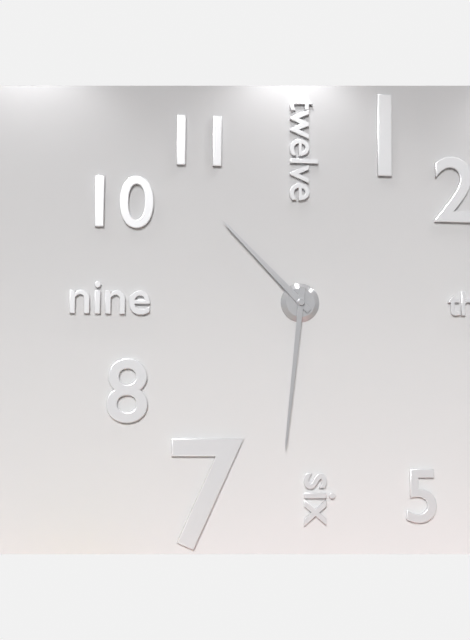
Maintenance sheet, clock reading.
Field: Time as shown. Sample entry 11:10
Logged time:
10:31
